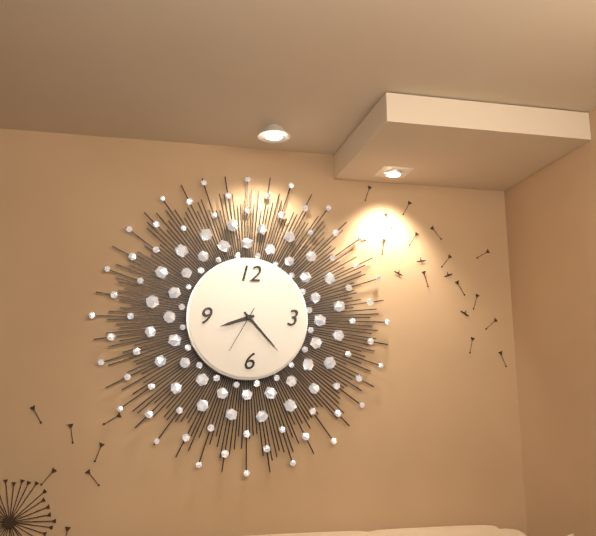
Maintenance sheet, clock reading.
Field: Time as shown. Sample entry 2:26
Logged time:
8:23
